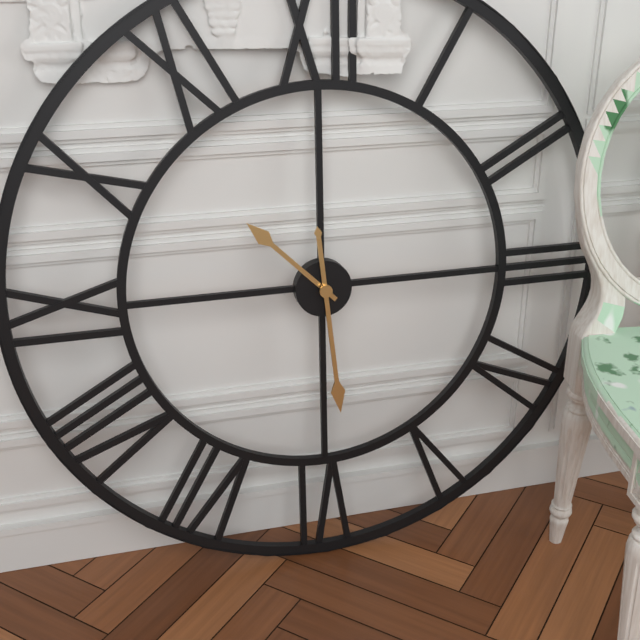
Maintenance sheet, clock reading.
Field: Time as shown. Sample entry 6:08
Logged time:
10:29
